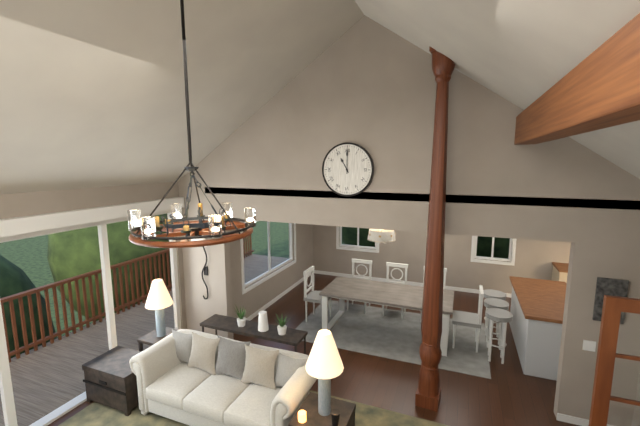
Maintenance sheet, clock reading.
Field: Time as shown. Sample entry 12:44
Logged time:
11:00
